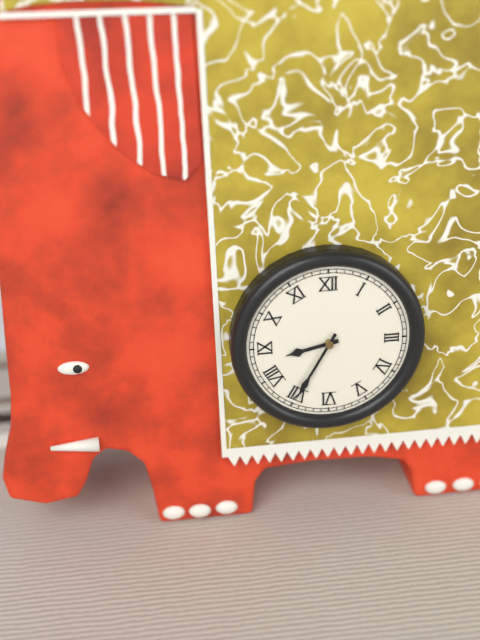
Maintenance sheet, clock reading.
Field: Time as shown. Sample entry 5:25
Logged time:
8:35
